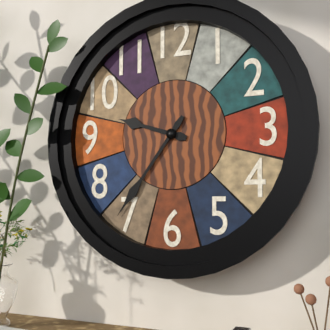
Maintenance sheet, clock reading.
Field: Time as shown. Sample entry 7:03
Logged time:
9:36
